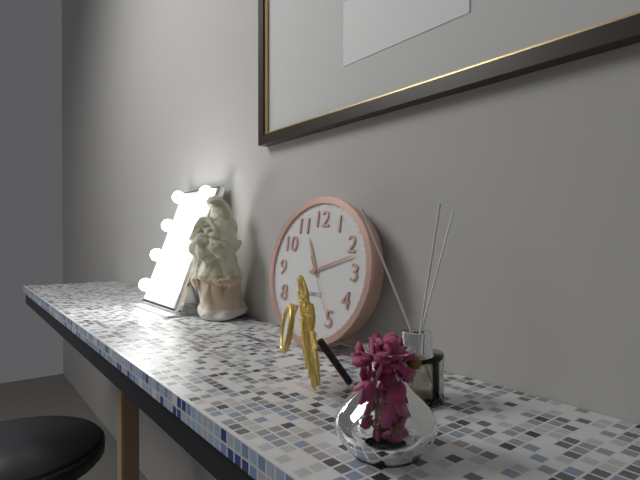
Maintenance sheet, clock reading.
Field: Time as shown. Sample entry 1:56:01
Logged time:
11:12:25
